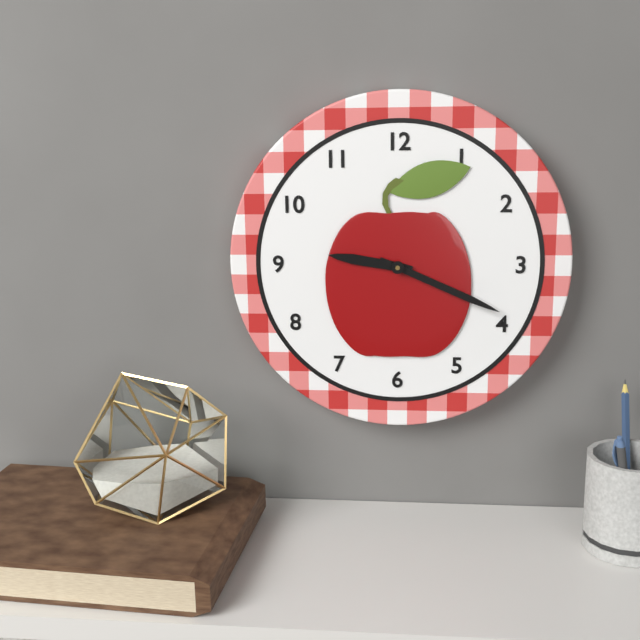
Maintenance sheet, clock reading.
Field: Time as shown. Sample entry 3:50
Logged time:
9:19
